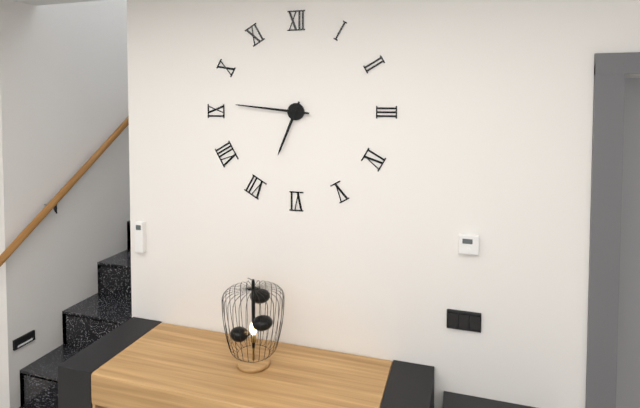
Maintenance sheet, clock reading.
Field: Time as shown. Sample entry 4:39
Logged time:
6:46
